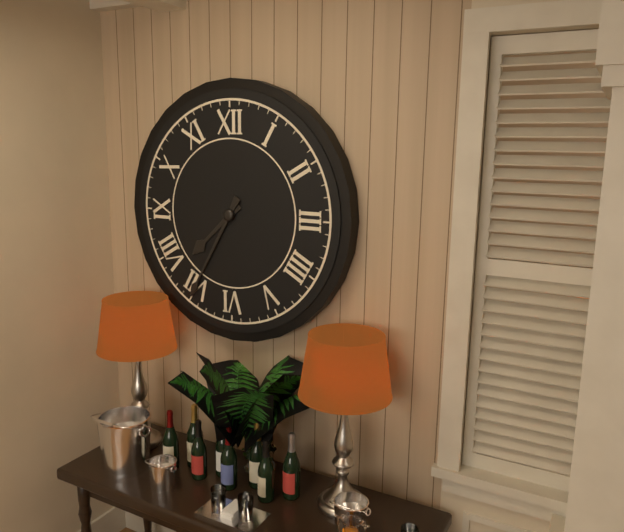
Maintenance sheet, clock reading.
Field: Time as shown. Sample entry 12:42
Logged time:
7:35
